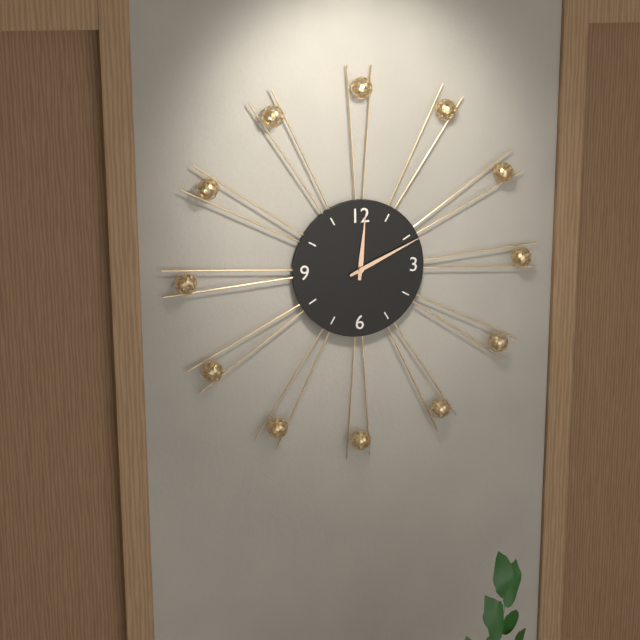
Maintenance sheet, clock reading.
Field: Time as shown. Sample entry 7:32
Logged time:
12:11
